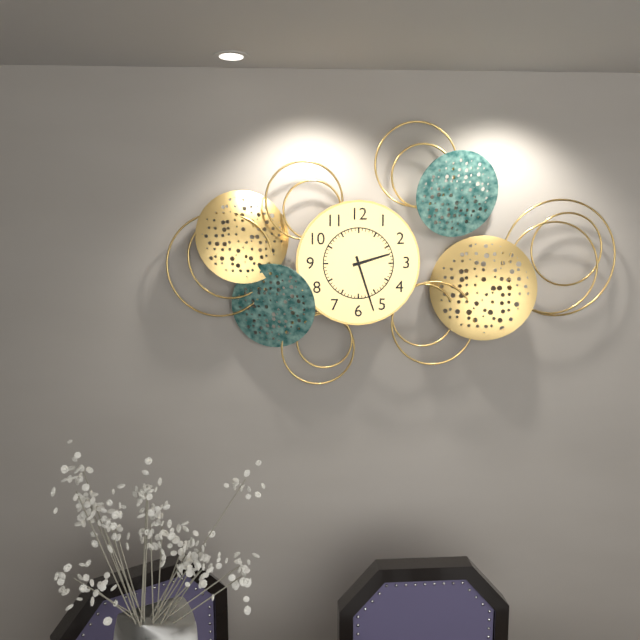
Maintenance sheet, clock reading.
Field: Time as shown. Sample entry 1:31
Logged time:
2:27
